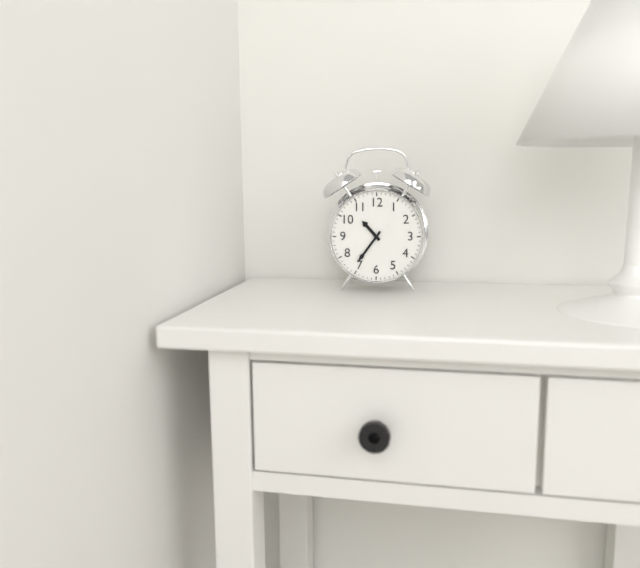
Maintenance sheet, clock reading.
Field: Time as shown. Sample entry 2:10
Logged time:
10:36
